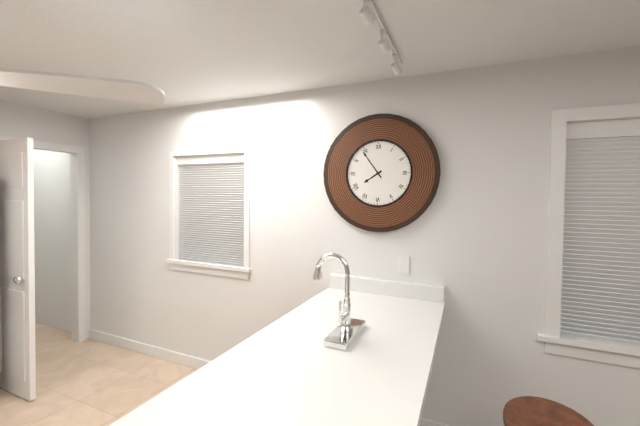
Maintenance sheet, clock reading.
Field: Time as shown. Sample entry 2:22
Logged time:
7:54
